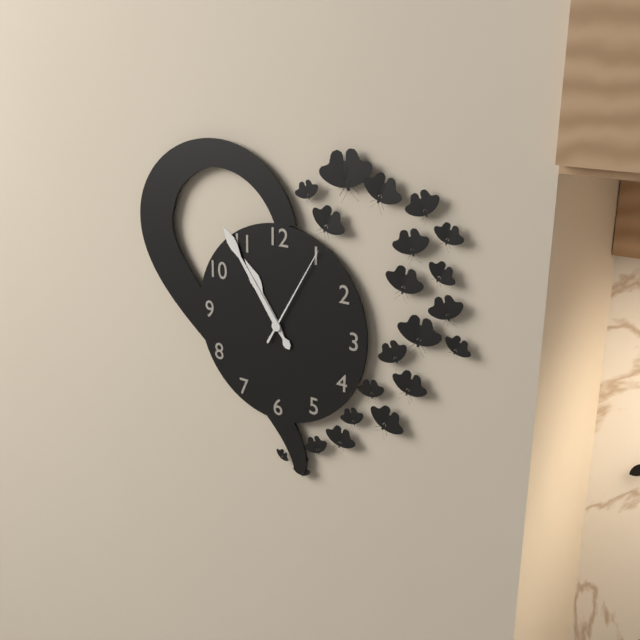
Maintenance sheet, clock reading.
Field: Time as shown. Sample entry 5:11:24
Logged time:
10:54:05
